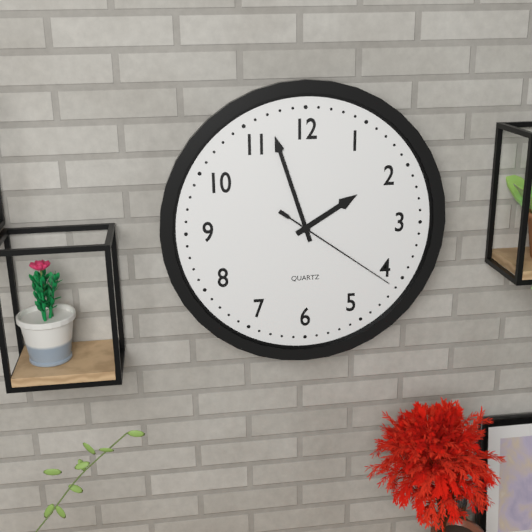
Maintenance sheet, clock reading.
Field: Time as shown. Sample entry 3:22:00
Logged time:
1:57:21
